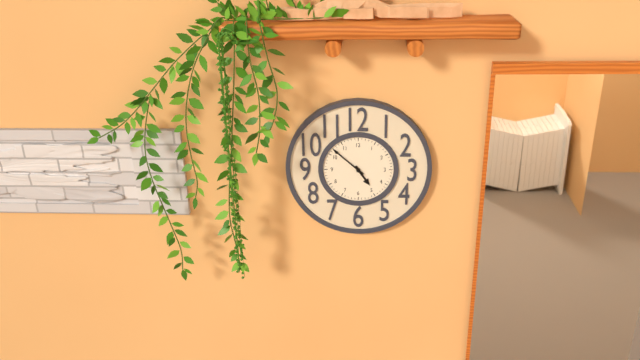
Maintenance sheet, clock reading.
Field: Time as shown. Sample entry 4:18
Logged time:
4:52
